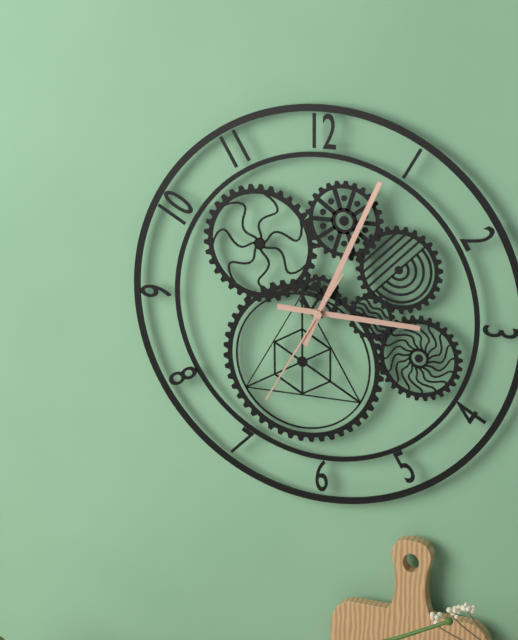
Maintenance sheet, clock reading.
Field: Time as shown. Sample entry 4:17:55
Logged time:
3:04:35
